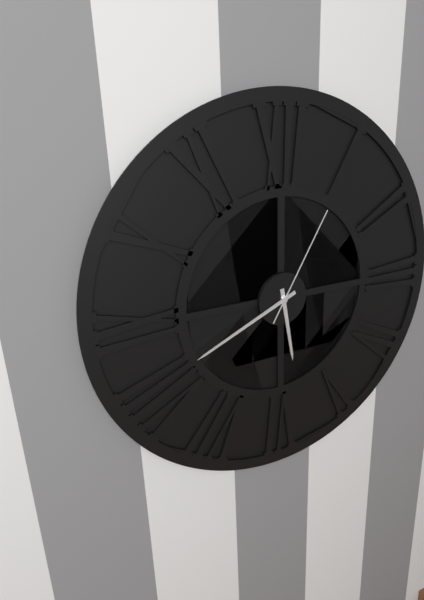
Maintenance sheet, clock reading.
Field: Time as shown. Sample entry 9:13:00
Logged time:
5:41:05
